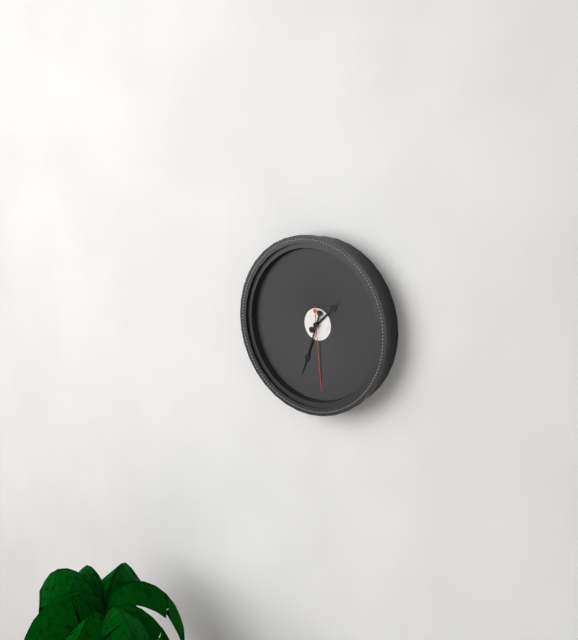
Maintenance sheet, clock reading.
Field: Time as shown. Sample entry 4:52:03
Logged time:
1:33:29
